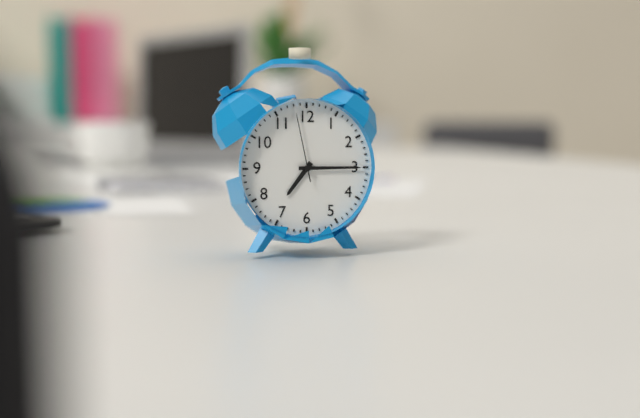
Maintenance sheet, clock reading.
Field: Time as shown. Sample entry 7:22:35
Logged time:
7:15:58
